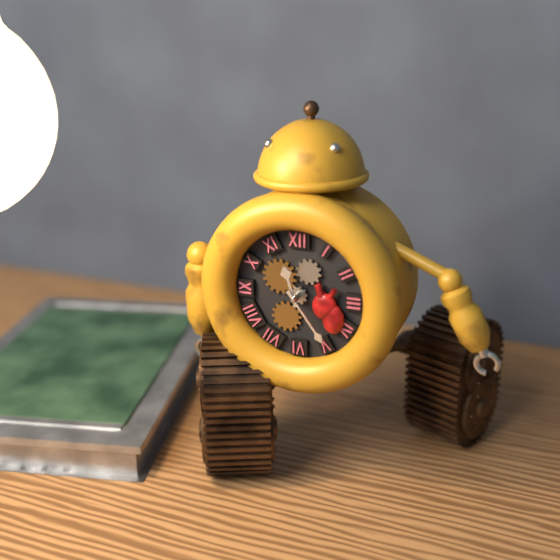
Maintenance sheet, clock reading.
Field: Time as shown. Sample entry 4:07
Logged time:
11:24
